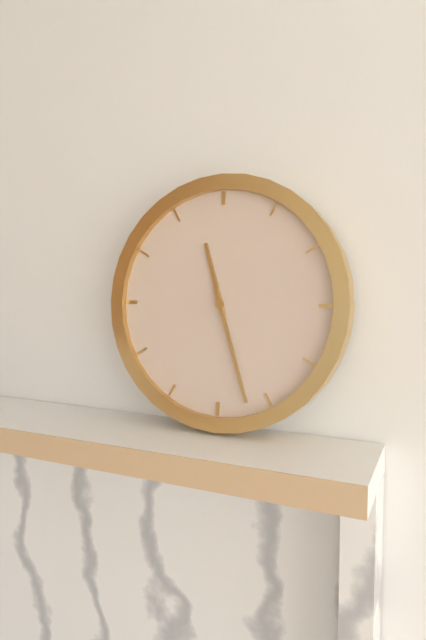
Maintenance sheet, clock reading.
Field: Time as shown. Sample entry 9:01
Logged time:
11:27
